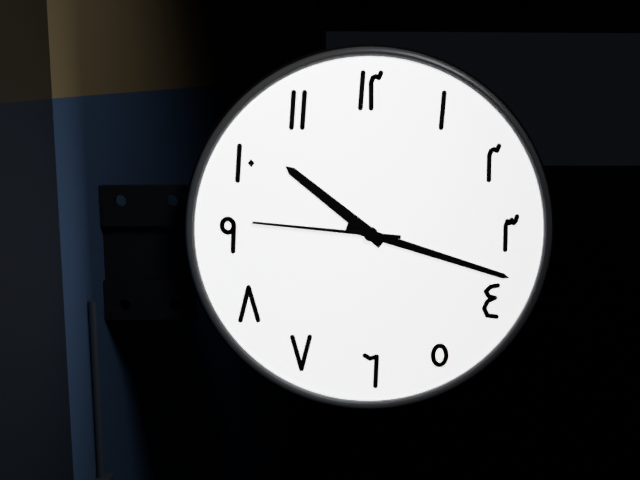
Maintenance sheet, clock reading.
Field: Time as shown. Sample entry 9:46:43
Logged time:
10:18:46
